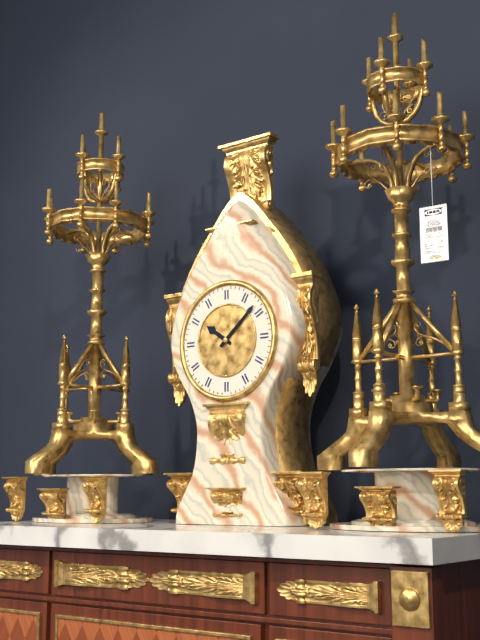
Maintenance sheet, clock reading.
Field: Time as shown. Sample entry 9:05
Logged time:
10:08
